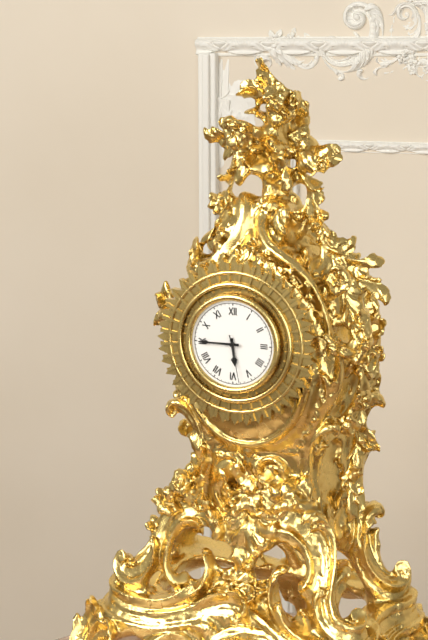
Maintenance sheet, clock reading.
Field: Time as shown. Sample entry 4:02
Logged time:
5:45
